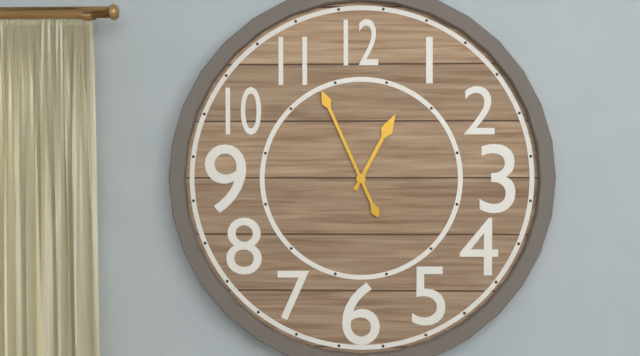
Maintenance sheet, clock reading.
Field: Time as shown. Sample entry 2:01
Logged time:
12:56
